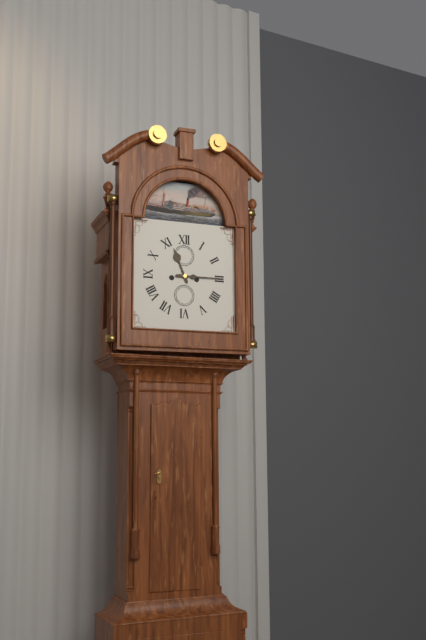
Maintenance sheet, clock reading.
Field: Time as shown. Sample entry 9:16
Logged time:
11:15
